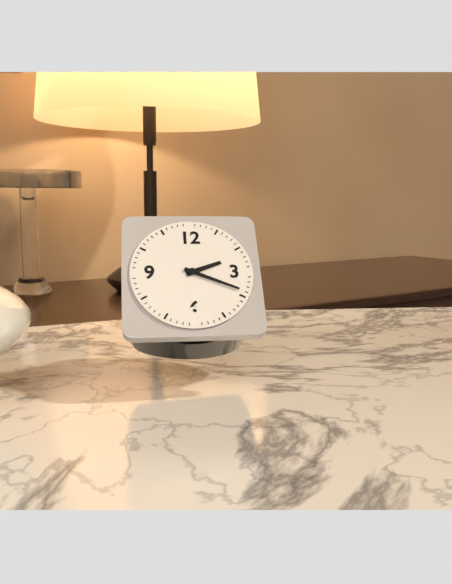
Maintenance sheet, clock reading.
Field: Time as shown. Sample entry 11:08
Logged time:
2:19
